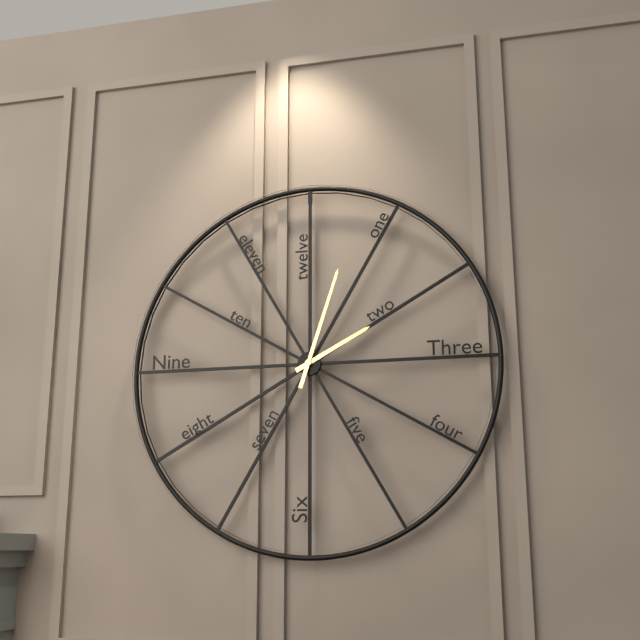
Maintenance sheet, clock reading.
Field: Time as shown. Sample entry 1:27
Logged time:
2:03
